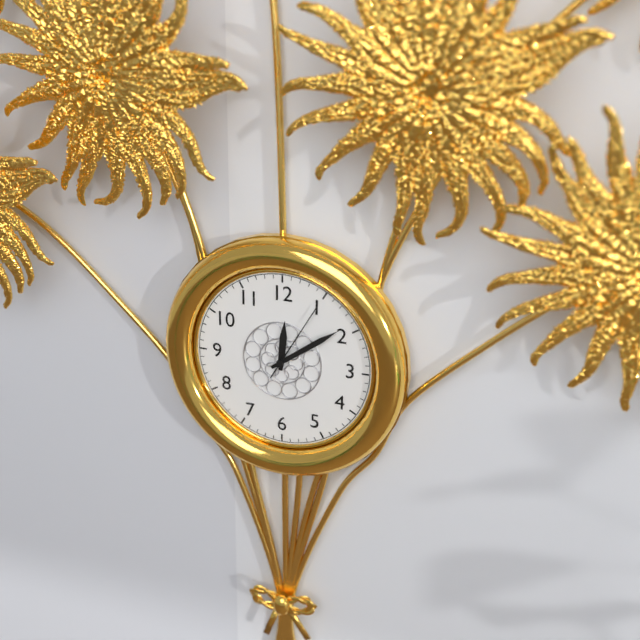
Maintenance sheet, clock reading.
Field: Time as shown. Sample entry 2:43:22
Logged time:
12:09:05
